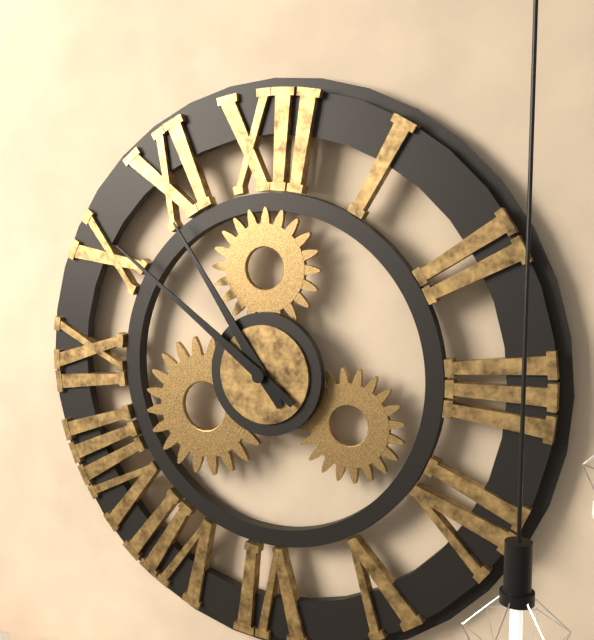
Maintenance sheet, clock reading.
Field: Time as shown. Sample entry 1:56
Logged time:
10:51
